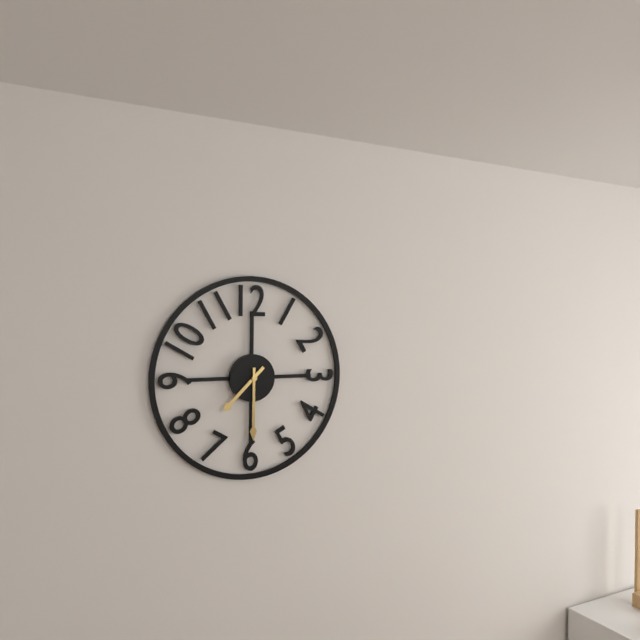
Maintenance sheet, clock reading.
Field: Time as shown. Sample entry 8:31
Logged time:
7:30
